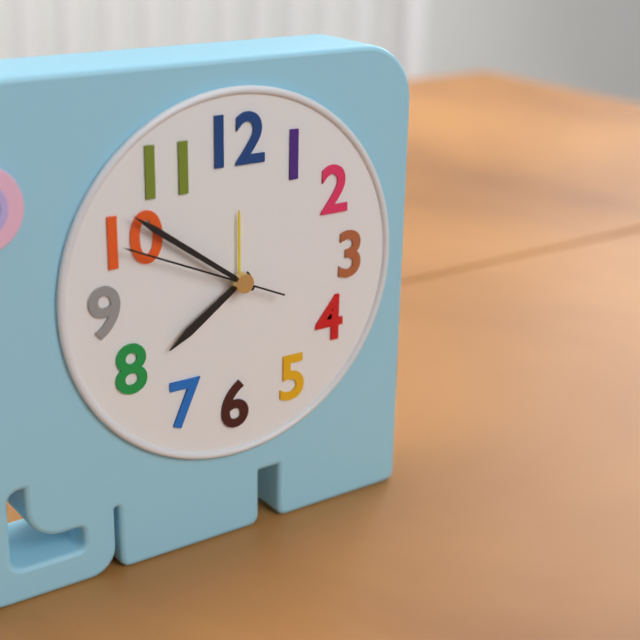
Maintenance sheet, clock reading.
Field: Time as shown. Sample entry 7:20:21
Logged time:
7:51:49
